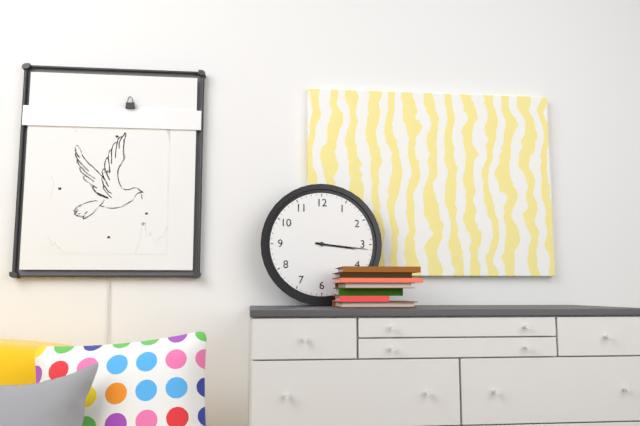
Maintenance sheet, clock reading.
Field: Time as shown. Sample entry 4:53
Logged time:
3:16
